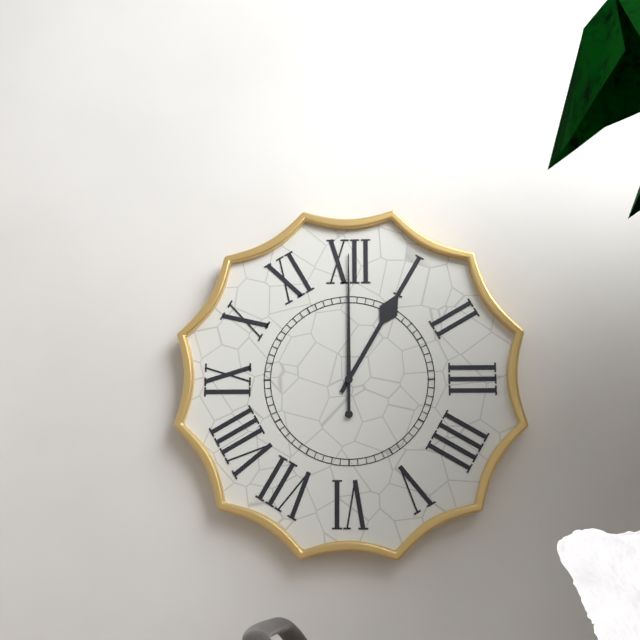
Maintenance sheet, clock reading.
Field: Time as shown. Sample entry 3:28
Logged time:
1:00
